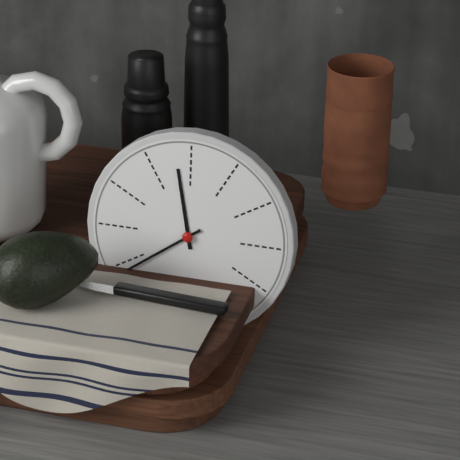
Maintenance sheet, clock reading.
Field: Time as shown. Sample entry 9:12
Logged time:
11:39
